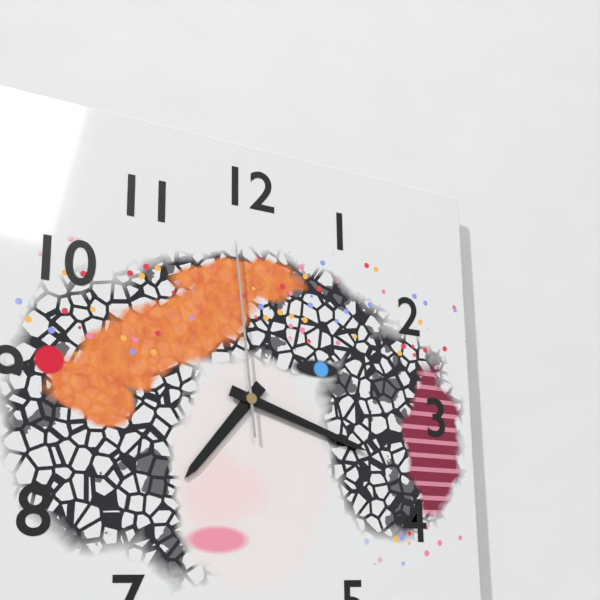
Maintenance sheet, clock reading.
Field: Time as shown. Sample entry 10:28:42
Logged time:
7:18:59
